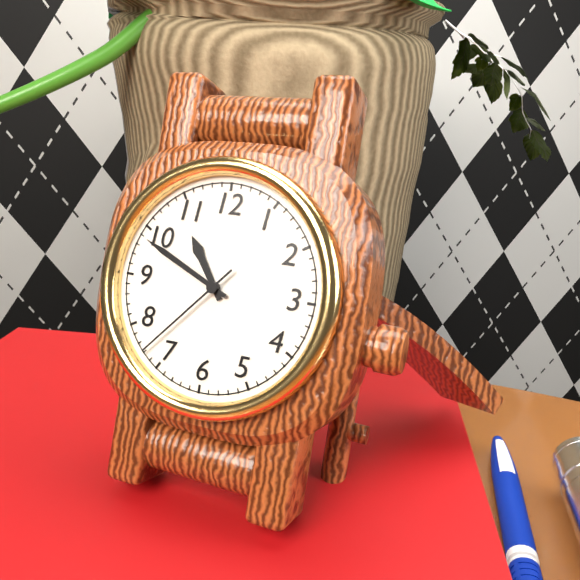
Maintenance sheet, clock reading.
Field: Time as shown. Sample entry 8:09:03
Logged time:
10:49:37
